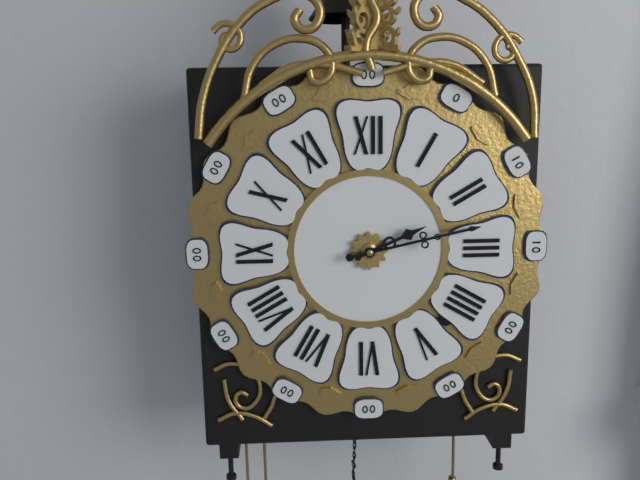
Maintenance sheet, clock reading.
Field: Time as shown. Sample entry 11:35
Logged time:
2:13
